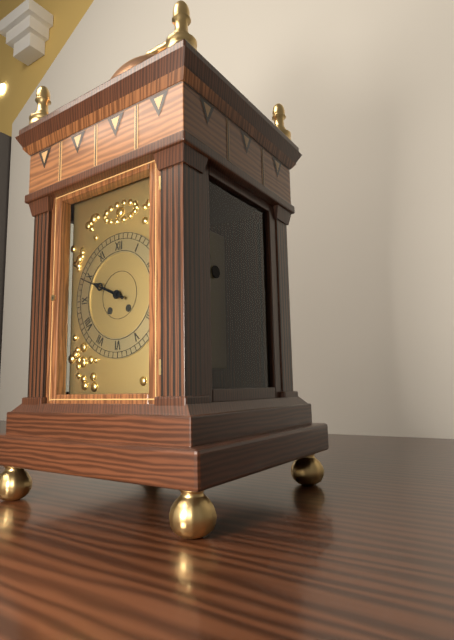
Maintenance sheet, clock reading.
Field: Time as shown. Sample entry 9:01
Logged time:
9:49
